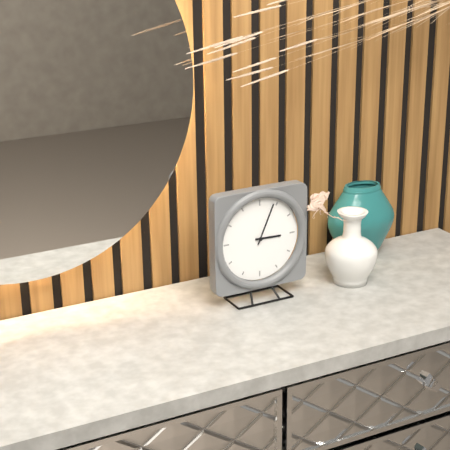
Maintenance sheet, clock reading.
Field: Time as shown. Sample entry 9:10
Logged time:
3:04
